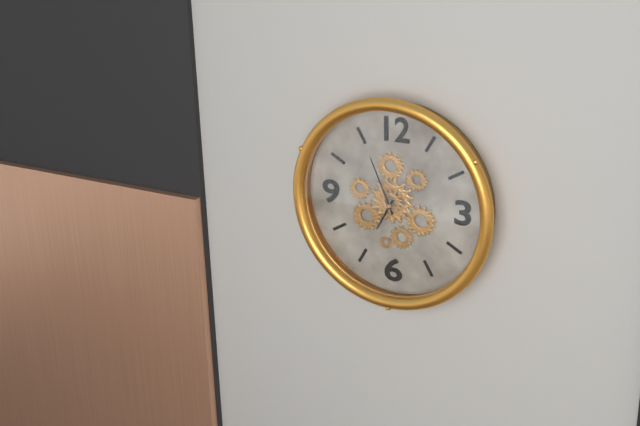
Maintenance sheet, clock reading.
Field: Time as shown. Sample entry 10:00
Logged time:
6:56
